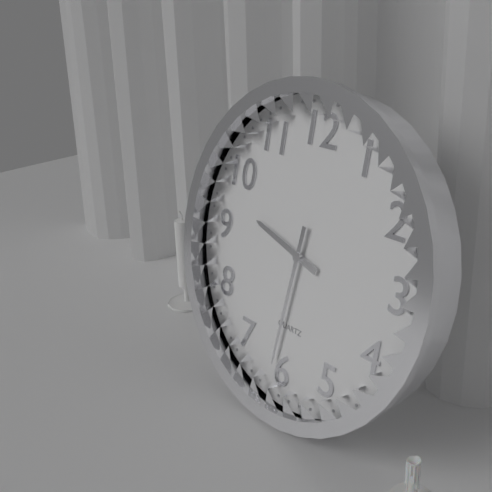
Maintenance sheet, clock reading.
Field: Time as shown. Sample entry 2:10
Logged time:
9:31
